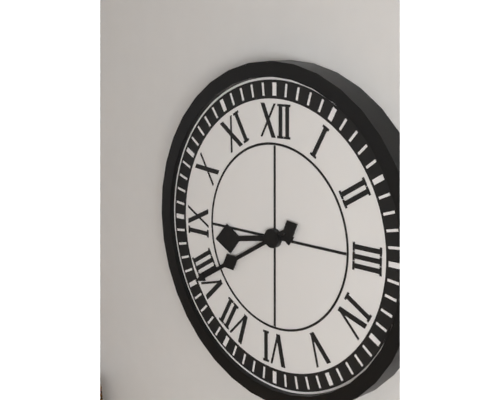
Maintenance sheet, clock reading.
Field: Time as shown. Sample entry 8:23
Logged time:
8:40
